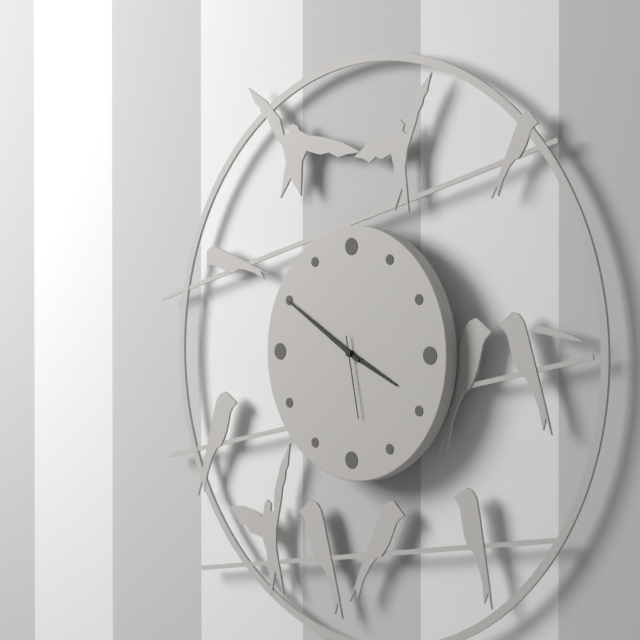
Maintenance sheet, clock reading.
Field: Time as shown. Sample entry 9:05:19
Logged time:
3:50:28
